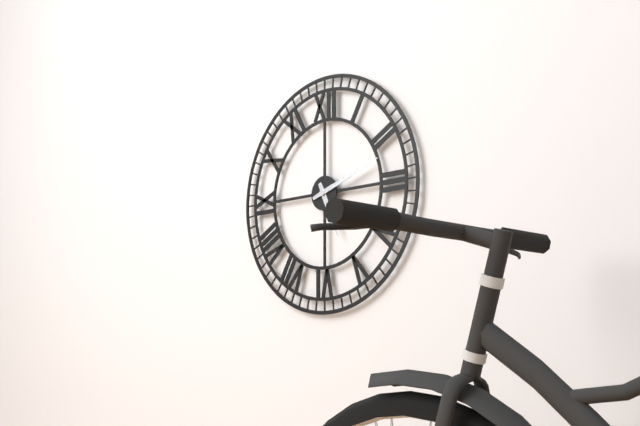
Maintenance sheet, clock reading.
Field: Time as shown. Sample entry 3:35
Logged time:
5:12
